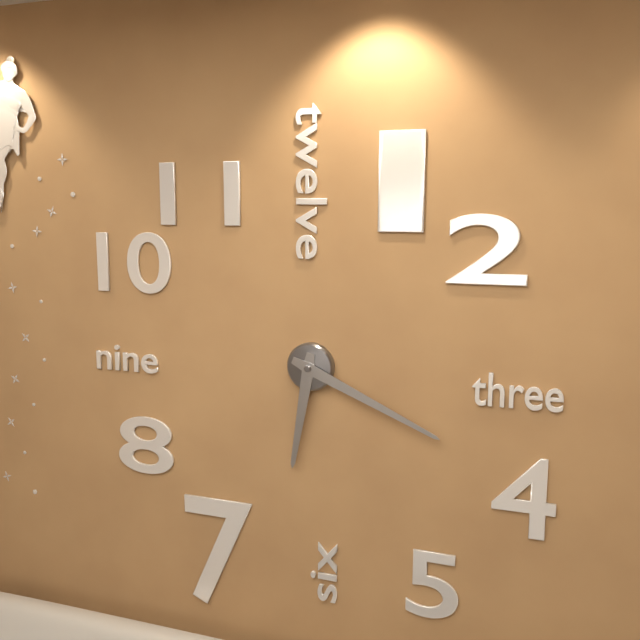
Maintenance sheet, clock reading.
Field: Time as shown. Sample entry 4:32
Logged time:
6:19
